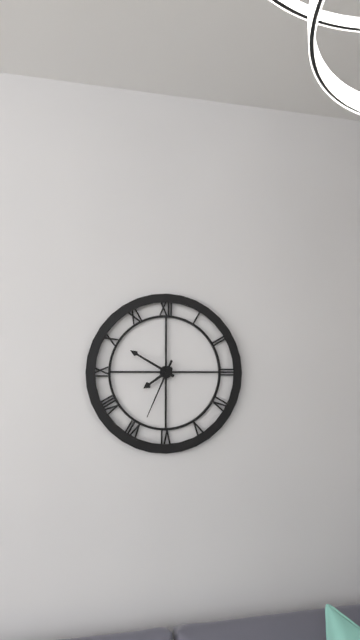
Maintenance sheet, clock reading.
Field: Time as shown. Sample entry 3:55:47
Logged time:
7:50:34
